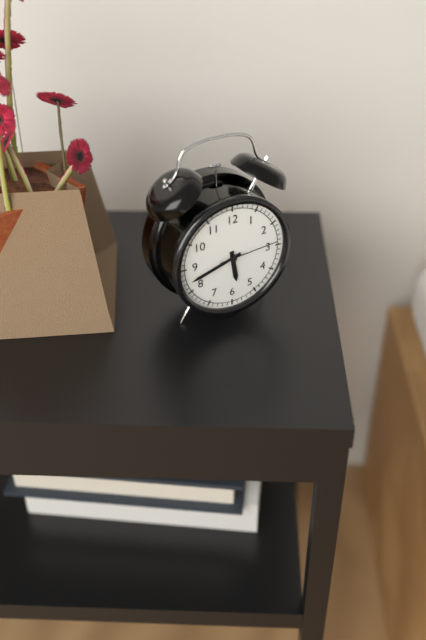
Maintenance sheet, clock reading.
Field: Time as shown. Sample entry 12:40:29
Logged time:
5:42:14
